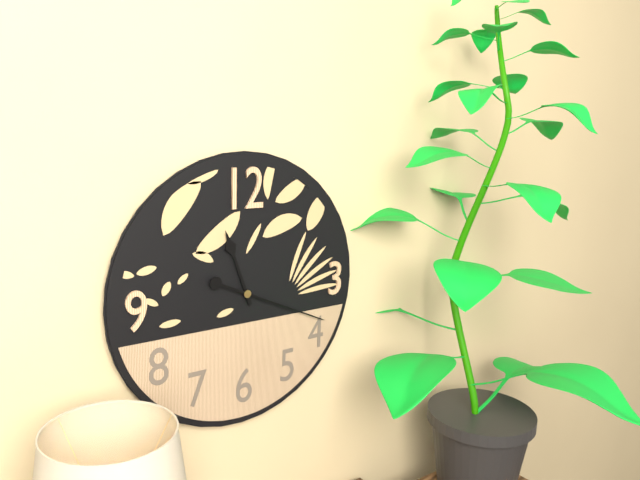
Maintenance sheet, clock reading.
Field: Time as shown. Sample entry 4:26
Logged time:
11:19
